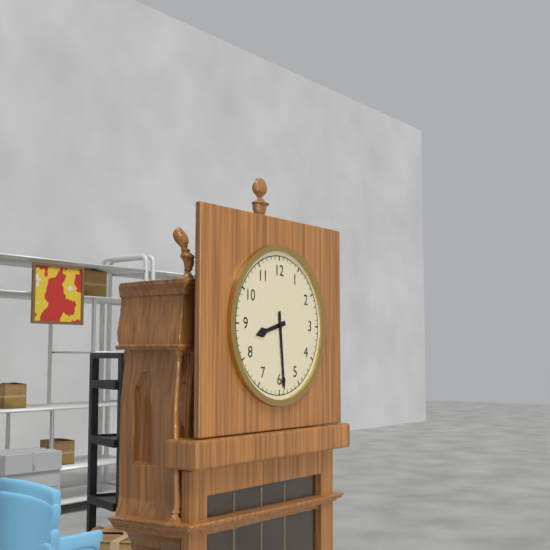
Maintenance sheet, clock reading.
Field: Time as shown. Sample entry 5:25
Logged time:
8:29
